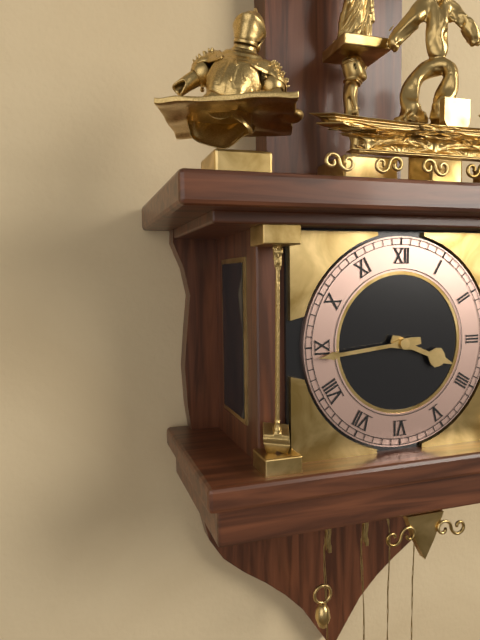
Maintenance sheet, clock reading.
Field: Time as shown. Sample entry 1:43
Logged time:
3:44
